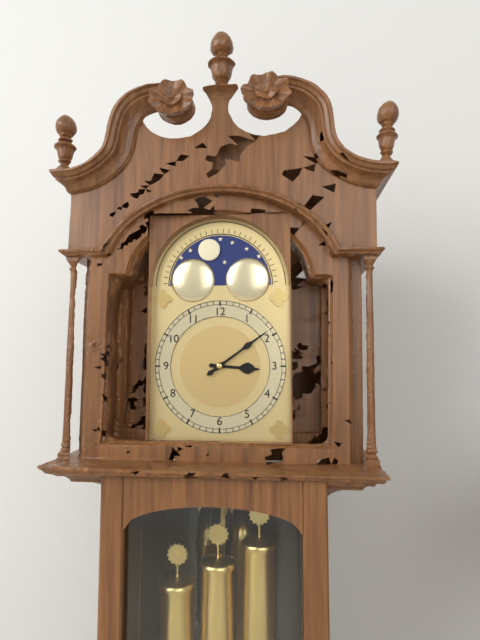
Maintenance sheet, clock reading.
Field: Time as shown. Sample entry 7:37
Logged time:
3:09
